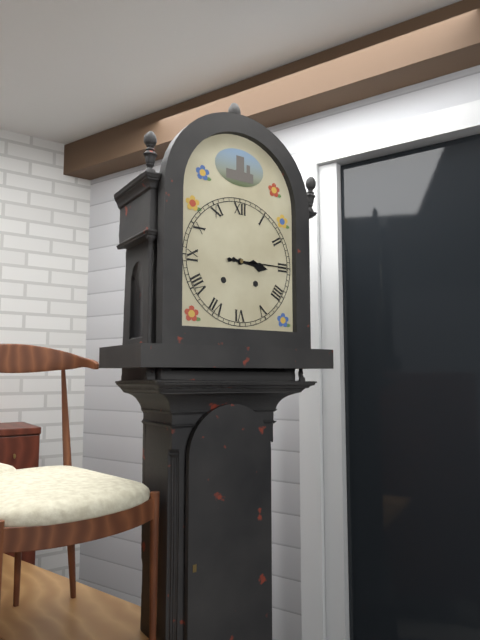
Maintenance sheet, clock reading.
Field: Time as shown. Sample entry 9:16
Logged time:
3:15
